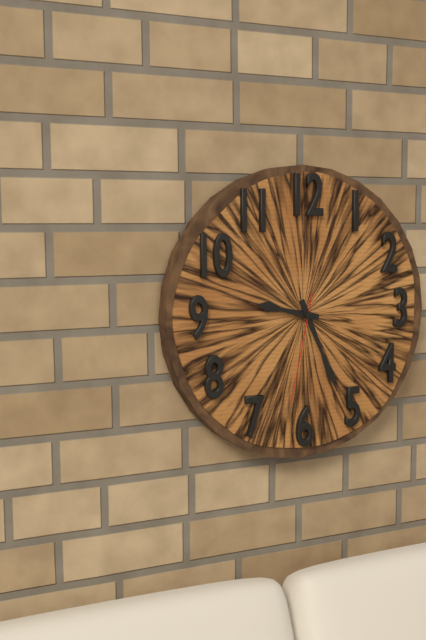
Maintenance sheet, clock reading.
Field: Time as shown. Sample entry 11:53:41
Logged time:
9:26:32
